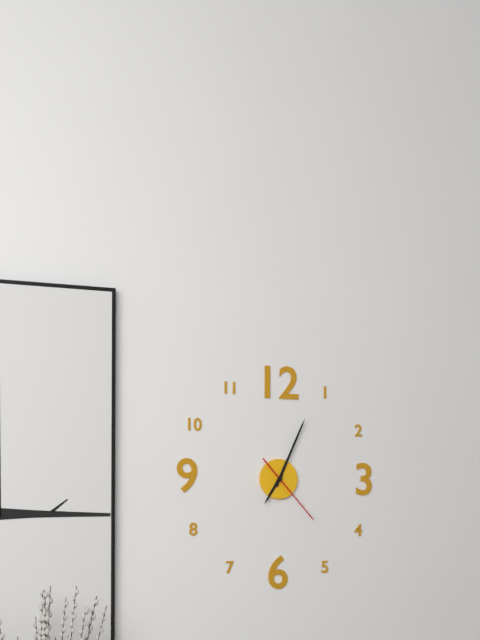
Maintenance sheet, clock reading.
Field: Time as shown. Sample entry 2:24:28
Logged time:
7:04:23
